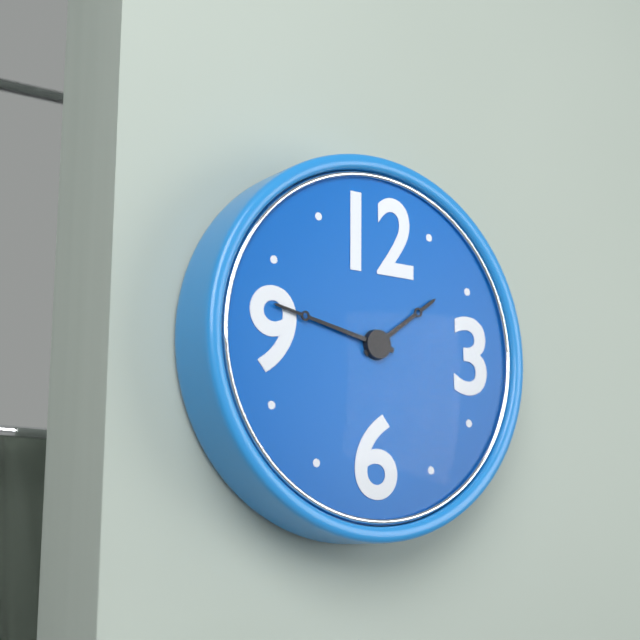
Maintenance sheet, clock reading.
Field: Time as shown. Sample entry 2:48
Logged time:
1:47
